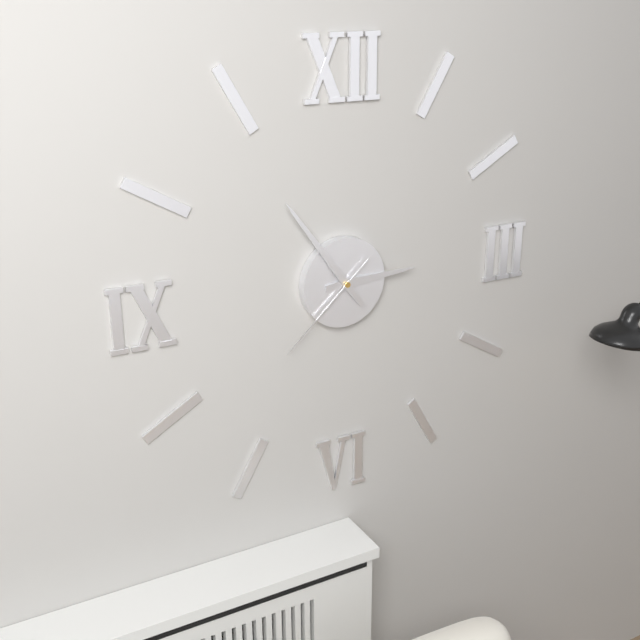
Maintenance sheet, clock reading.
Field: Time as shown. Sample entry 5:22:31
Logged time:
2:54:38
